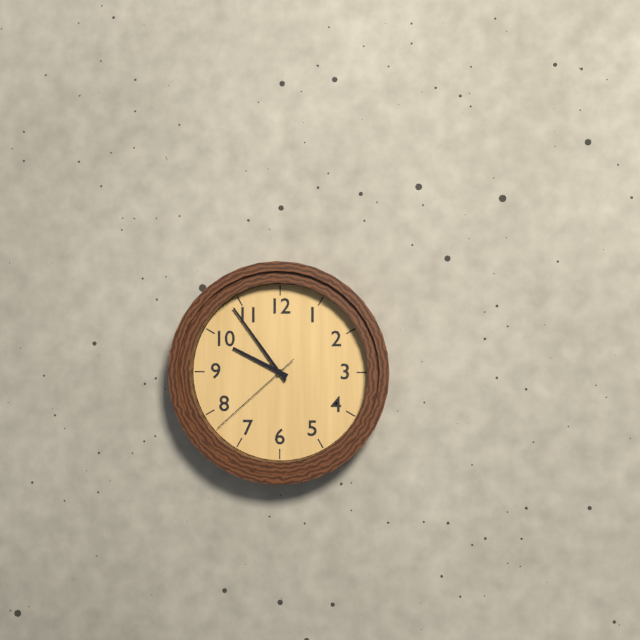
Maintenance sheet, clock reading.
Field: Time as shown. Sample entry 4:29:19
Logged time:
9:54:38
